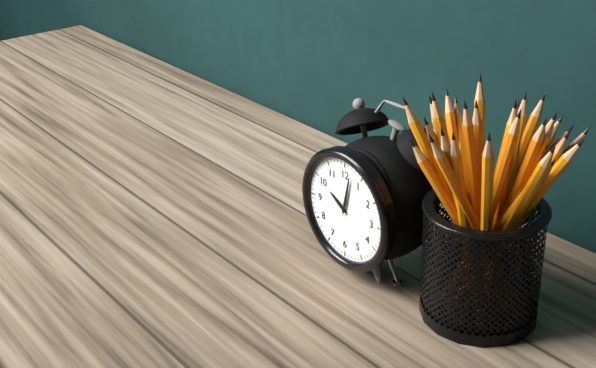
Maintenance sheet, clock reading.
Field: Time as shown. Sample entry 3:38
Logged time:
10:02
